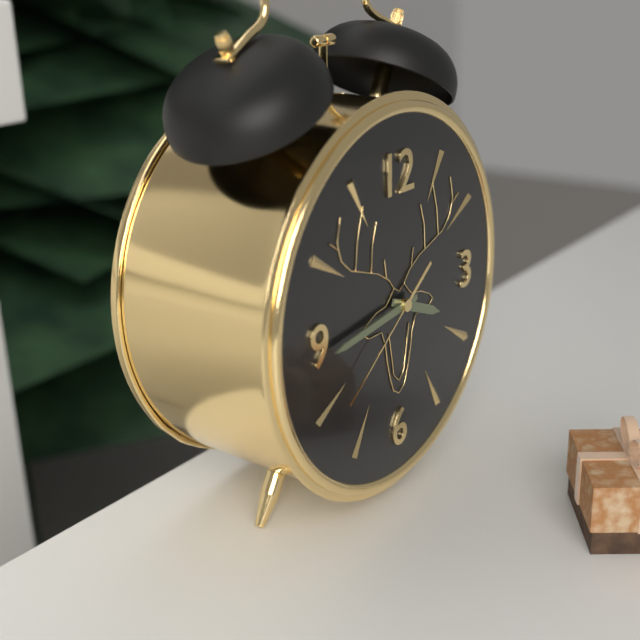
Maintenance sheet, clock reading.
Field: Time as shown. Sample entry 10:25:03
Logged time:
3:44:39
